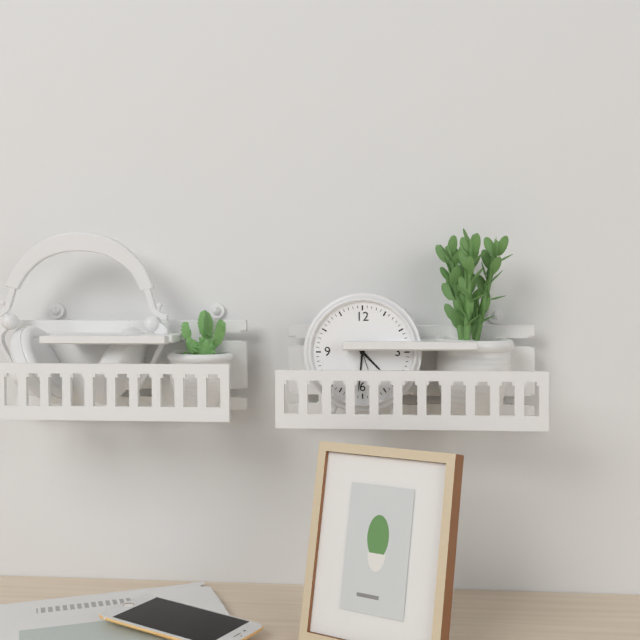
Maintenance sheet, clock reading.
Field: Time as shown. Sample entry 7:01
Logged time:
4:31
